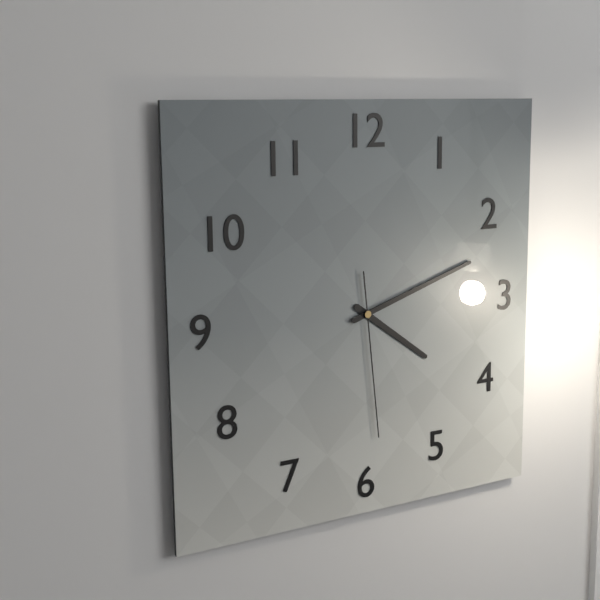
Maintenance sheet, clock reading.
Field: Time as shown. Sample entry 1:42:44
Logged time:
4:12:29
